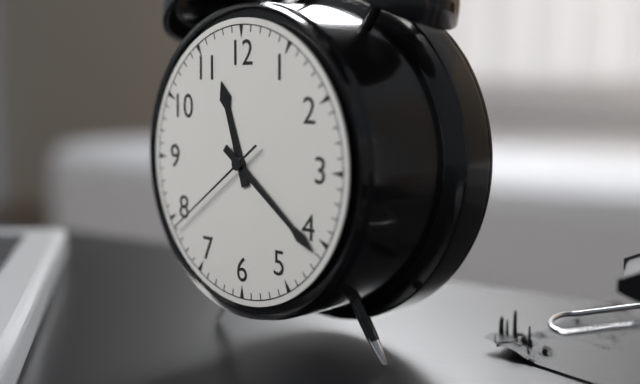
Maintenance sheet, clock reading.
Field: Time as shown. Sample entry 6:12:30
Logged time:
11:21:39
